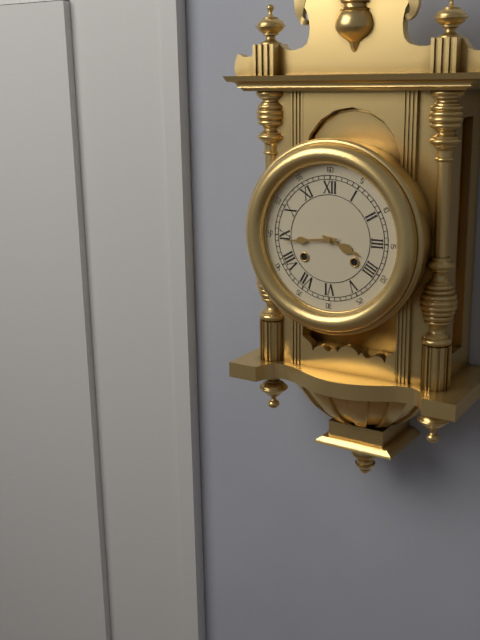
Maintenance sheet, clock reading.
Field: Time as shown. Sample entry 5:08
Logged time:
3:44
